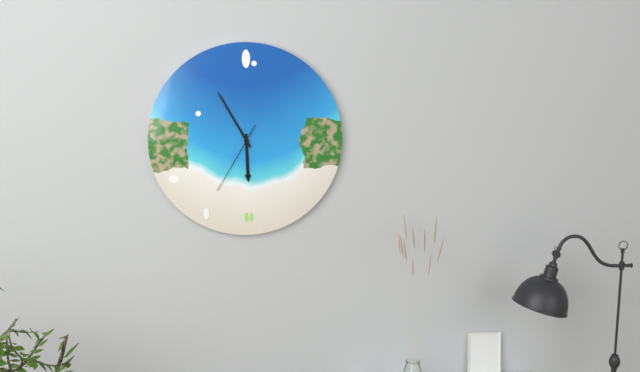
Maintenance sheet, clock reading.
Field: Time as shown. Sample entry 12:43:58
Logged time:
5:55:35
